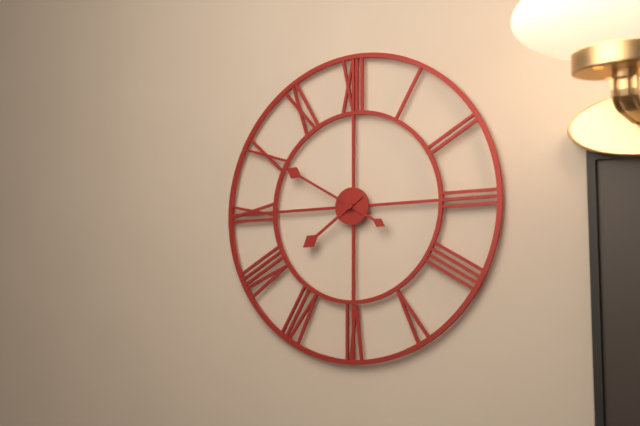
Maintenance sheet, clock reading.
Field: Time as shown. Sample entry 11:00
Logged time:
7:50
